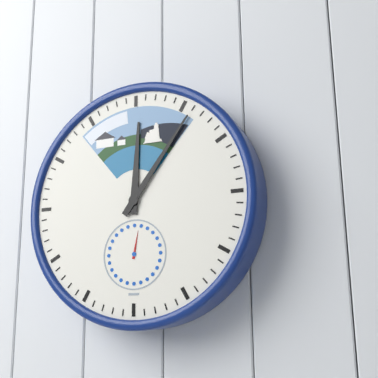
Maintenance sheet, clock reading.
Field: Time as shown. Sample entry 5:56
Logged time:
12:06
